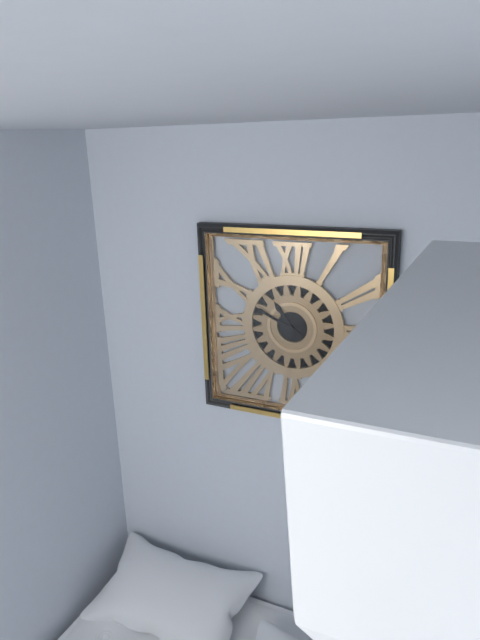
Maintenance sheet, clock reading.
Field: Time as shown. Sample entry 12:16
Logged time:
10:49
